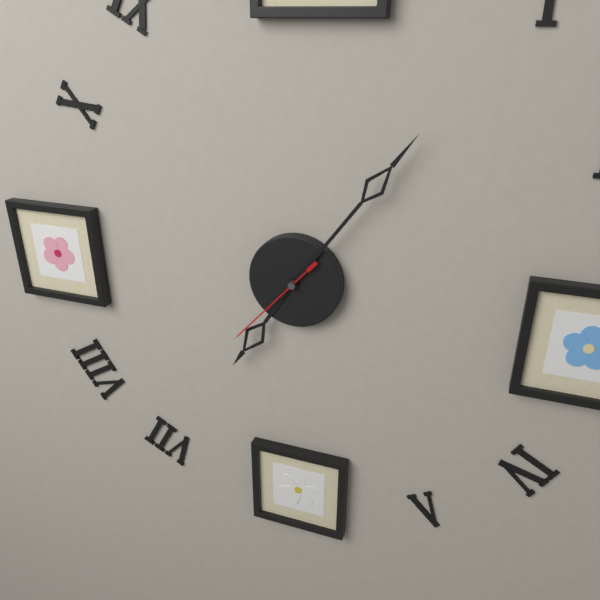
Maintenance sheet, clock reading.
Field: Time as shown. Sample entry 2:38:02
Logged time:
7:06:37
